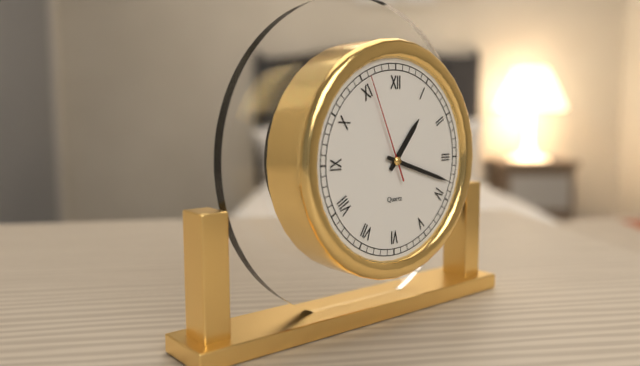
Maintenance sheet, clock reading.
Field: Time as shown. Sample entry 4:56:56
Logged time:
1:18:56
